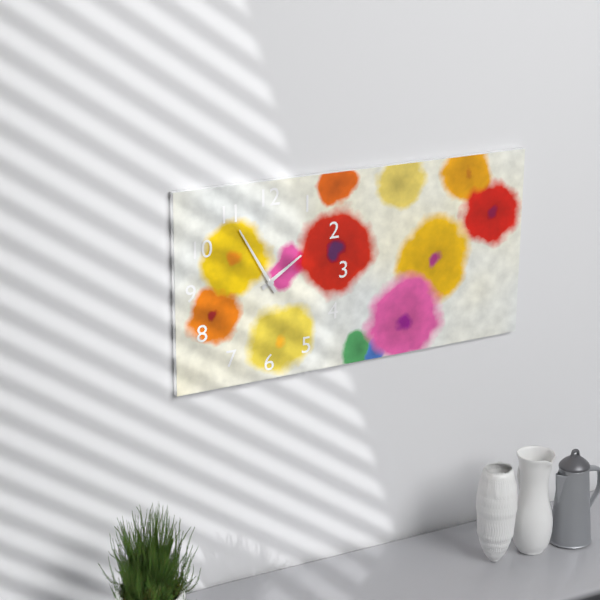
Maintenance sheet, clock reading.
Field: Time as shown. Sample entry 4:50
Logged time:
1:55
